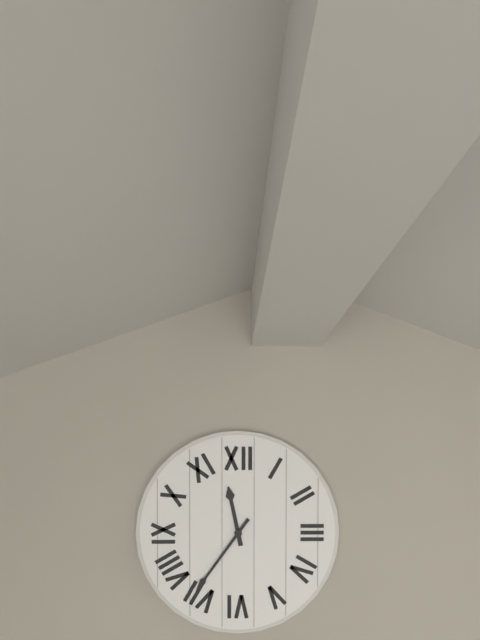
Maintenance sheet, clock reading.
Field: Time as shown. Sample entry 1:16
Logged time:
11:36
